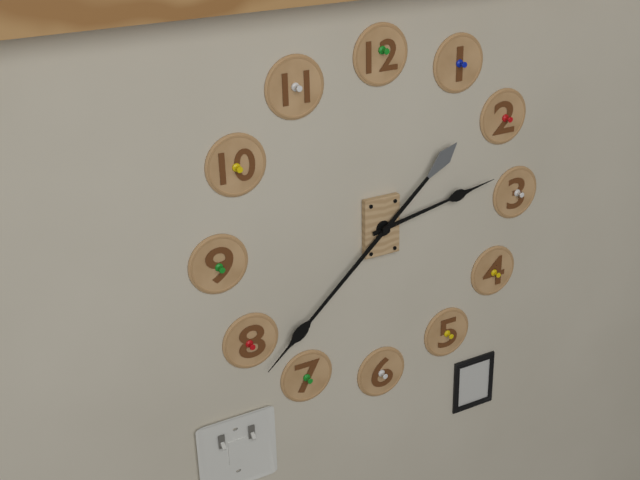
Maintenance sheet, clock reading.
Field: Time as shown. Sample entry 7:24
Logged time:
2:38
